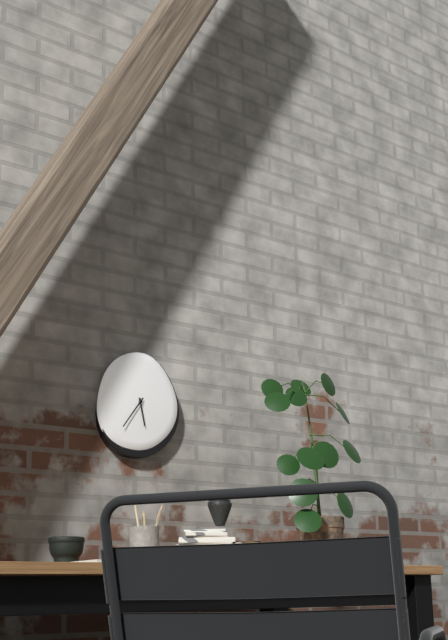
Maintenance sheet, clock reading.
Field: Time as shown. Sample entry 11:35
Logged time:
5:36
